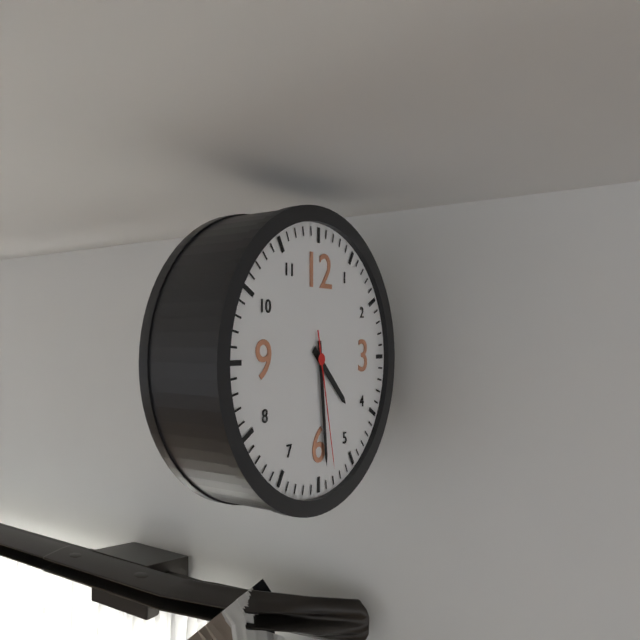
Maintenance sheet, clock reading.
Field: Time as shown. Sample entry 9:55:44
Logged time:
4:29:28
